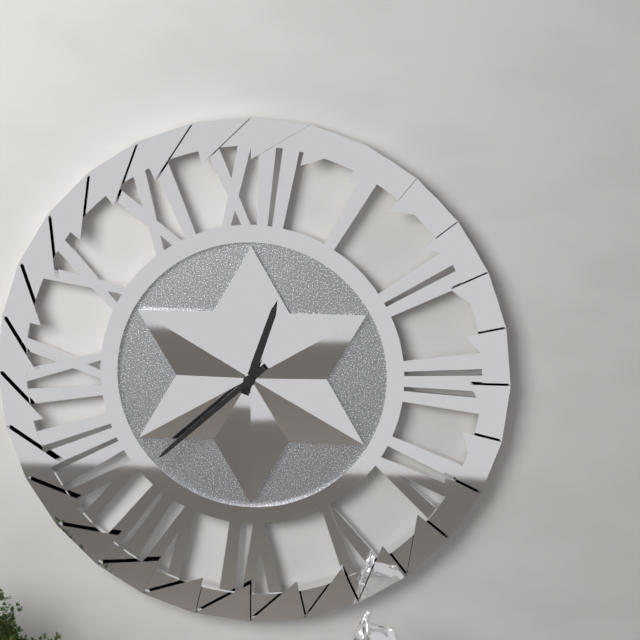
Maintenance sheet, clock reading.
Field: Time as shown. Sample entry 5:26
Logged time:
12:38
